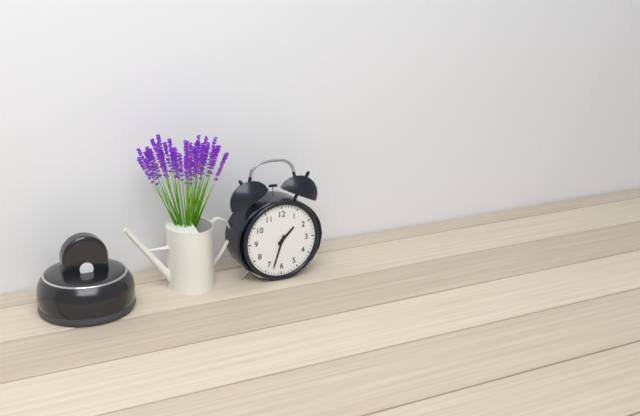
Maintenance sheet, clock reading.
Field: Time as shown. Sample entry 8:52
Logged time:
1:33
